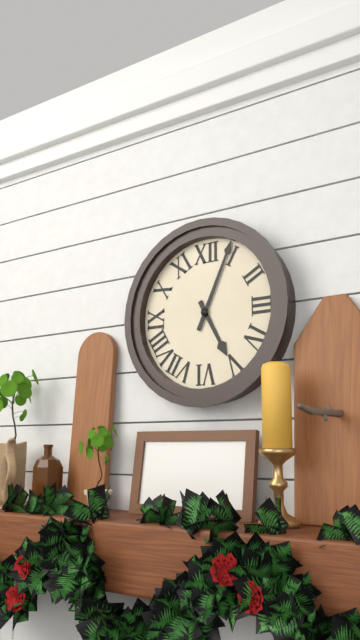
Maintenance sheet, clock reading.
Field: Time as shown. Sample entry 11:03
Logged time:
5:04
